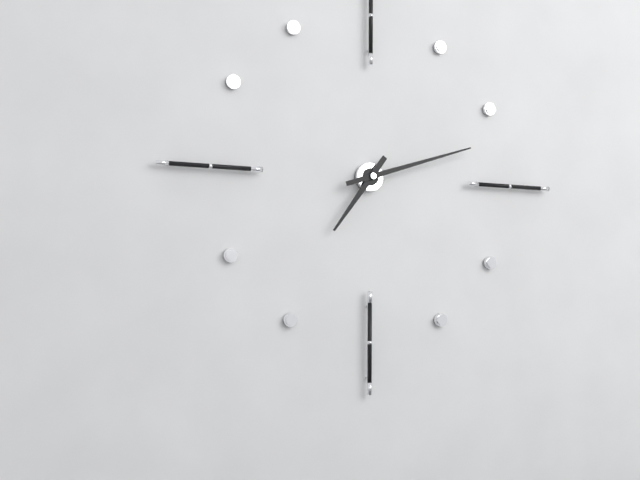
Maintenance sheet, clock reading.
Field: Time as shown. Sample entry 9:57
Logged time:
7:12
